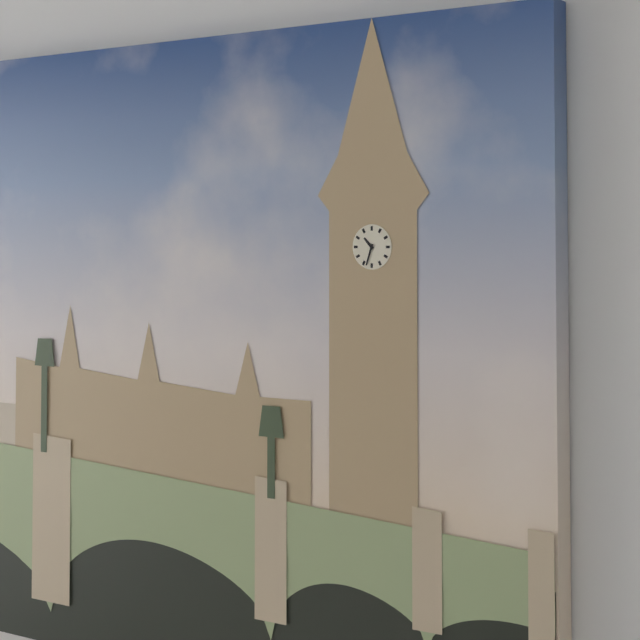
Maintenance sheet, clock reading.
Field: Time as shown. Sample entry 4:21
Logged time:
10:33
